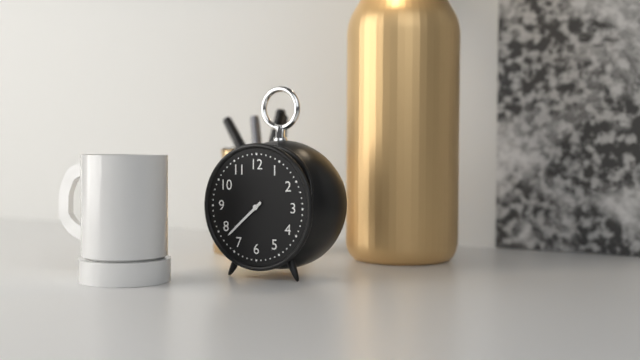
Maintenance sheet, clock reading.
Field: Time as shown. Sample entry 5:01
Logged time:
7:38
